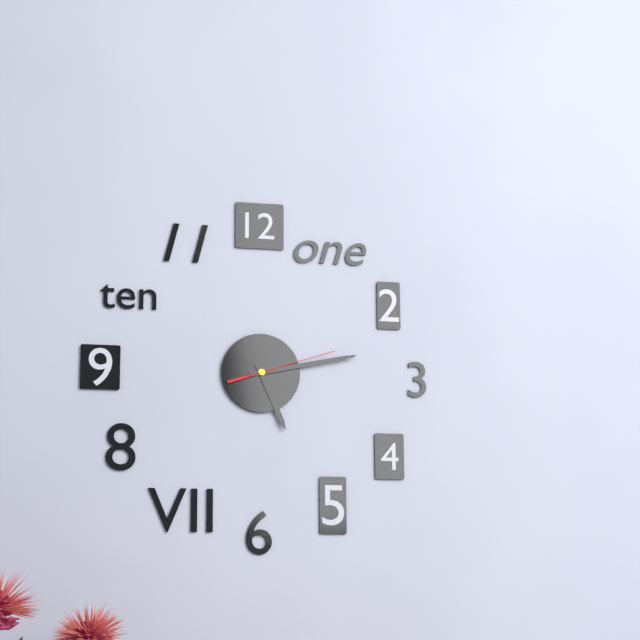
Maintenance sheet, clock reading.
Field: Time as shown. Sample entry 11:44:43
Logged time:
5:13:12
